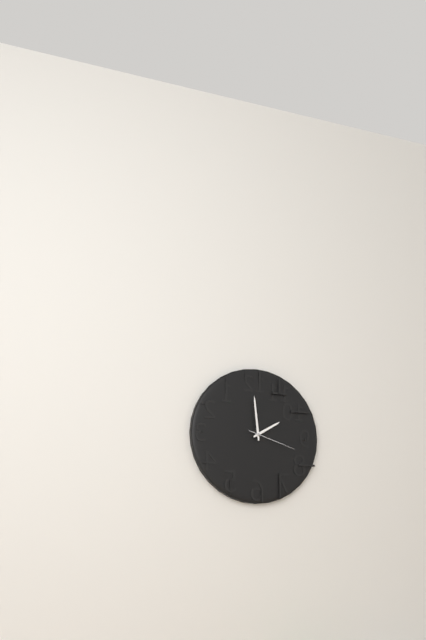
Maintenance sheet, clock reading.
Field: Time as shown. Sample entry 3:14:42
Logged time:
1:59:18
